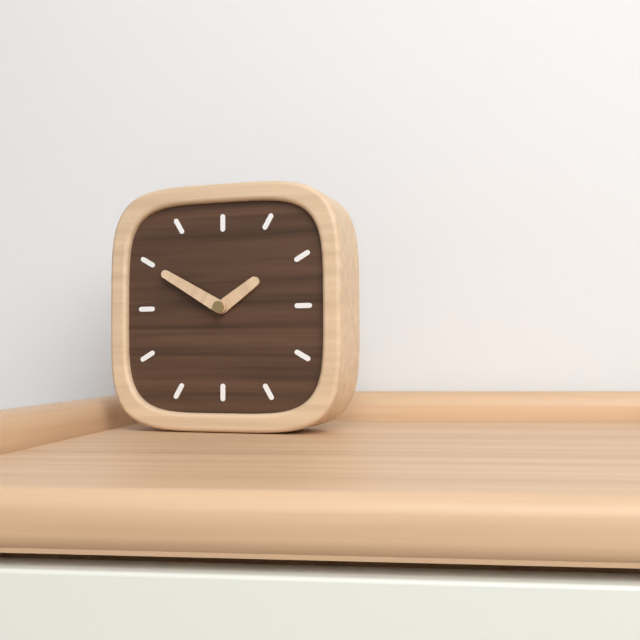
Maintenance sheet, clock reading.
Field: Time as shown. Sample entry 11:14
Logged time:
1:50
